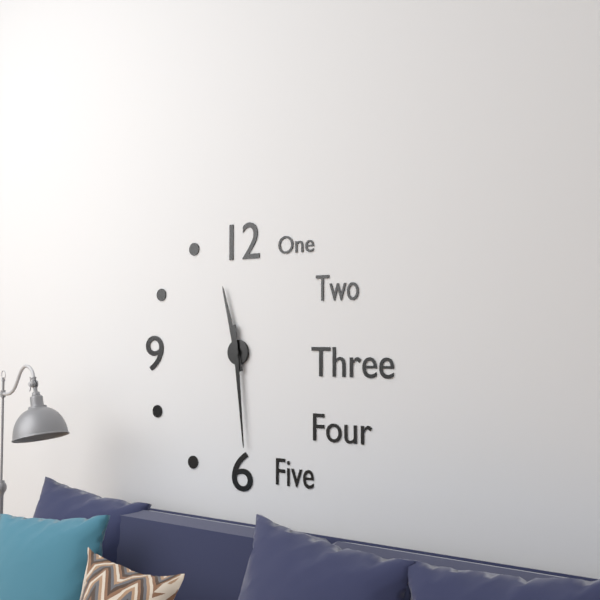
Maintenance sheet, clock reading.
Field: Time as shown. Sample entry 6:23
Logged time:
11:29
